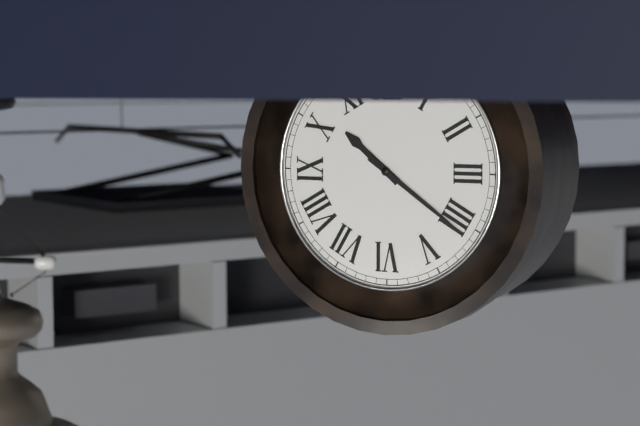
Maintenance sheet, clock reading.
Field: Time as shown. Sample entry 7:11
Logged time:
10:21
